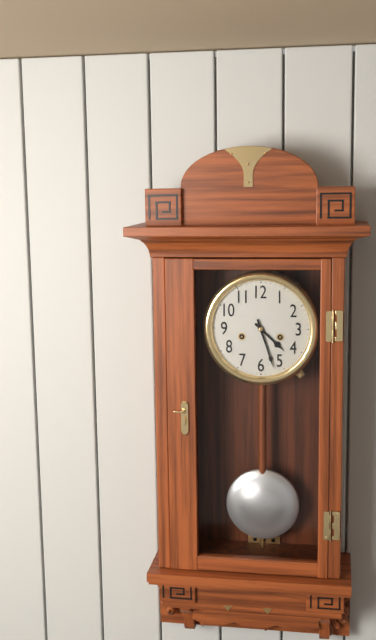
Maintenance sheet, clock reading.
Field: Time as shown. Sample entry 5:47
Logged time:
4:27
